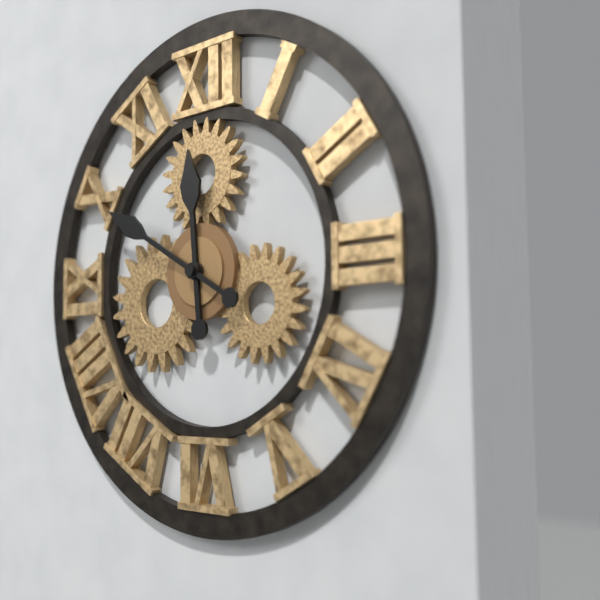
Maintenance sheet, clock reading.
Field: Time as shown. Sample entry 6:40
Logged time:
11:50
